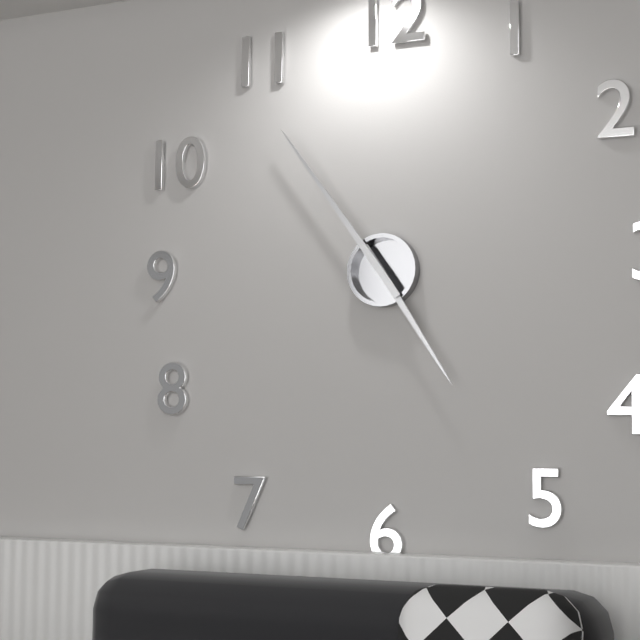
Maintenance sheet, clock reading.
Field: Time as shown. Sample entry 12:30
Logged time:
4:54
